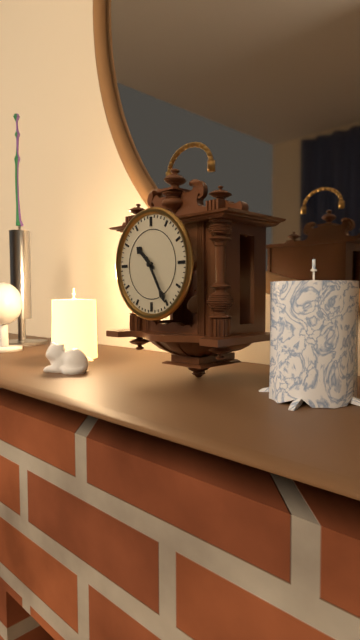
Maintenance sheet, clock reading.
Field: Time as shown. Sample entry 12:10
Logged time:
10:25
